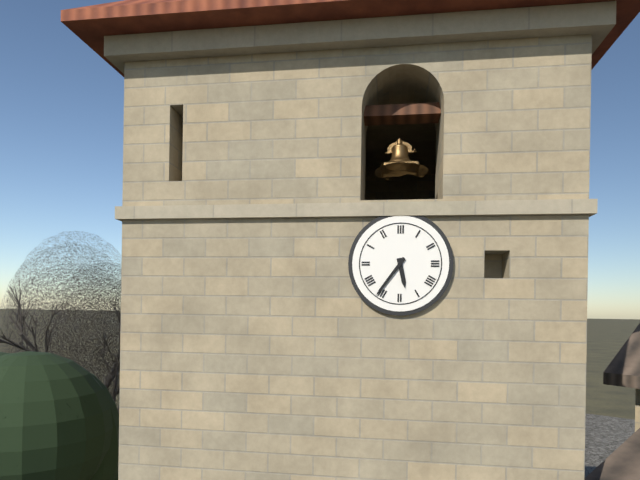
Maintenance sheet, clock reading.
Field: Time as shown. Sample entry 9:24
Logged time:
5:36
